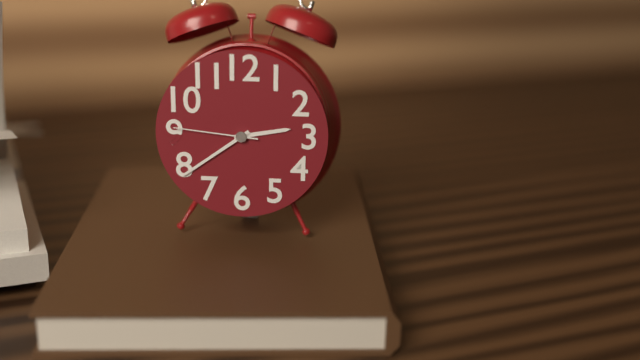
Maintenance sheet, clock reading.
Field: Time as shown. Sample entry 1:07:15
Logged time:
2:39:46
